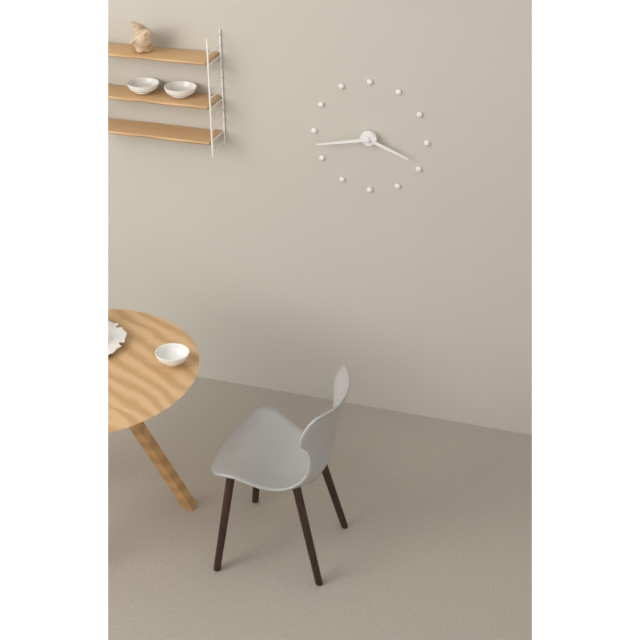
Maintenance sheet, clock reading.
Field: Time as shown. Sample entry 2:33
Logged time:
3:43
